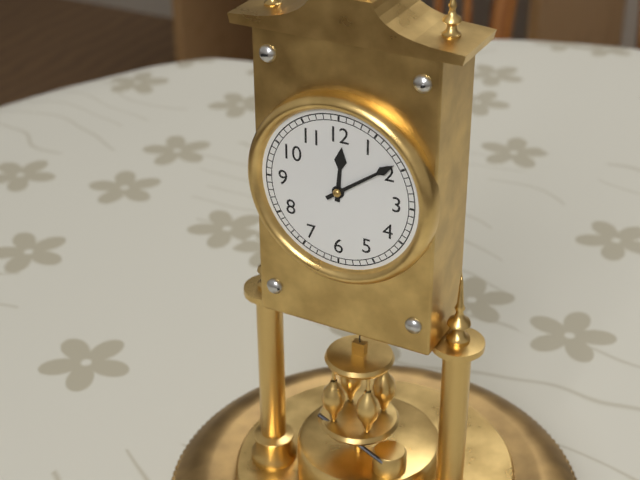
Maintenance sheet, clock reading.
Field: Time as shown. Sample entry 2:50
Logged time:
12:09
